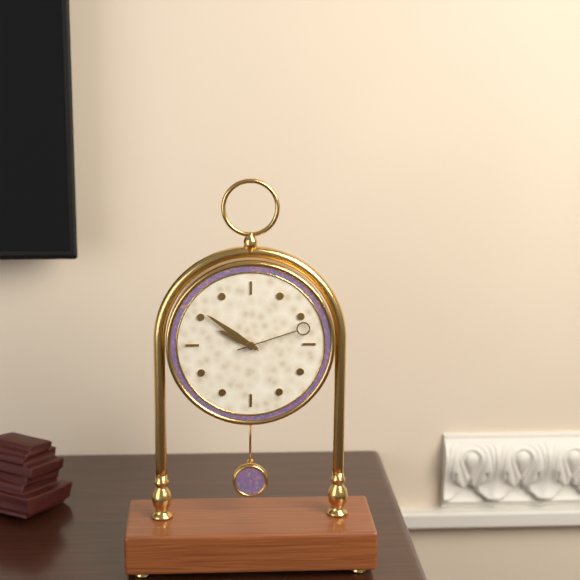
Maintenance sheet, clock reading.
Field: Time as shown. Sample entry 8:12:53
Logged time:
9:51:12
